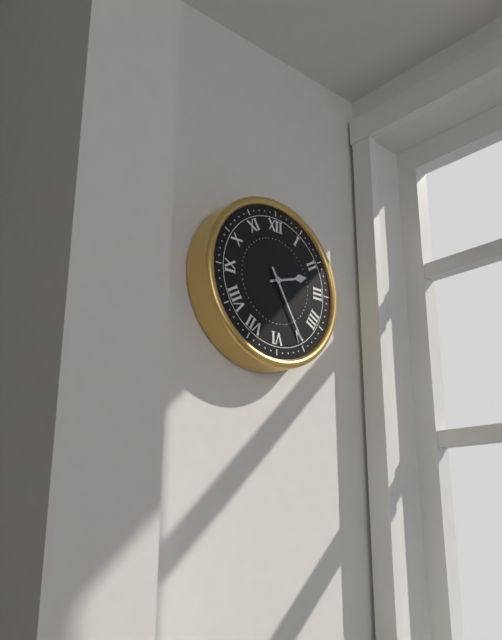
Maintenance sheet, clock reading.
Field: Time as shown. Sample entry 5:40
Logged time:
2:25
